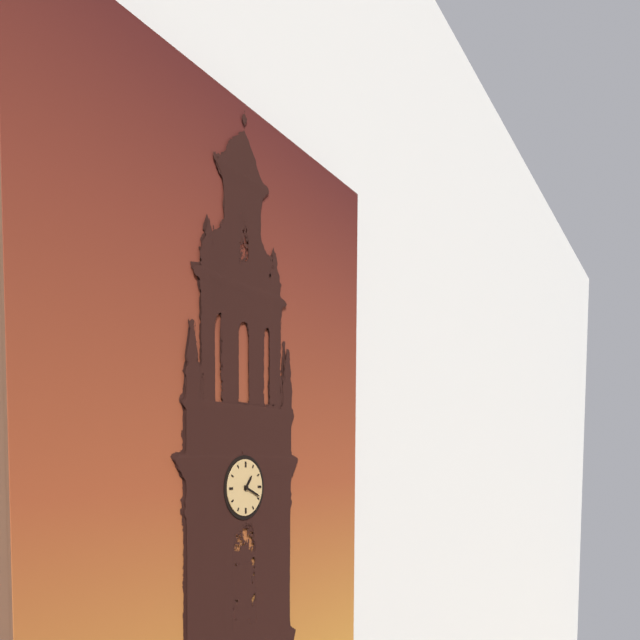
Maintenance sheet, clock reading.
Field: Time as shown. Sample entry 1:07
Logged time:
1:19
